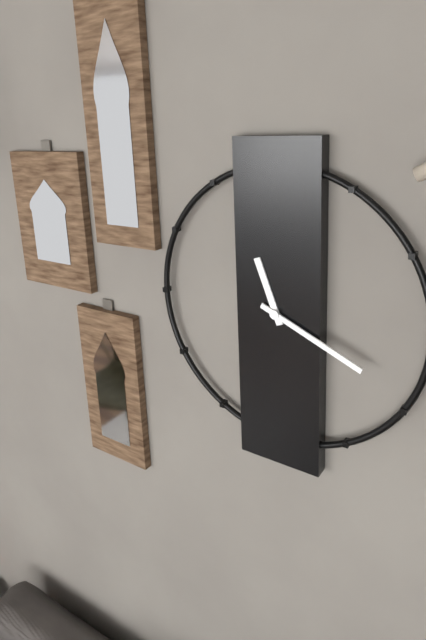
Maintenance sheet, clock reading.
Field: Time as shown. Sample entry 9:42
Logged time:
11:19
